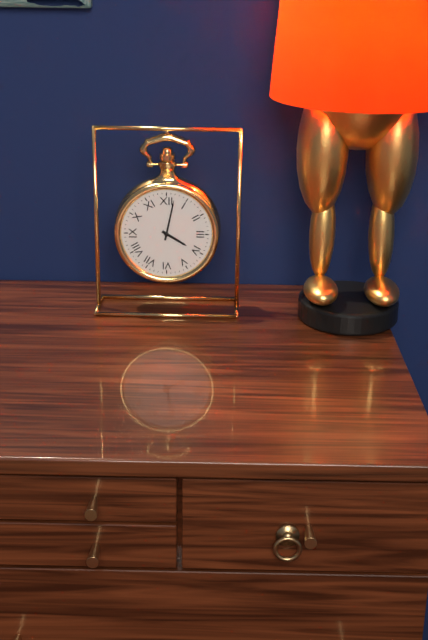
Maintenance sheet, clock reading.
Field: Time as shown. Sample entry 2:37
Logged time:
4:02
